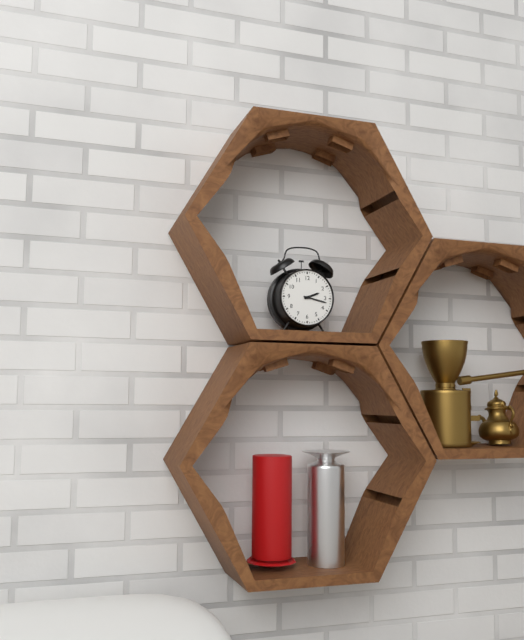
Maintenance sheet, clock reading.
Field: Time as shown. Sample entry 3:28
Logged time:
2:17
